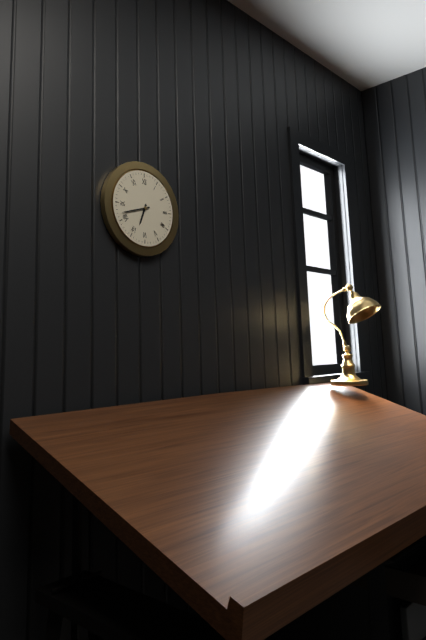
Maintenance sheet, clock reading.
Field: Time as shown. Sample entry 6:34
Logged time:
6:42
